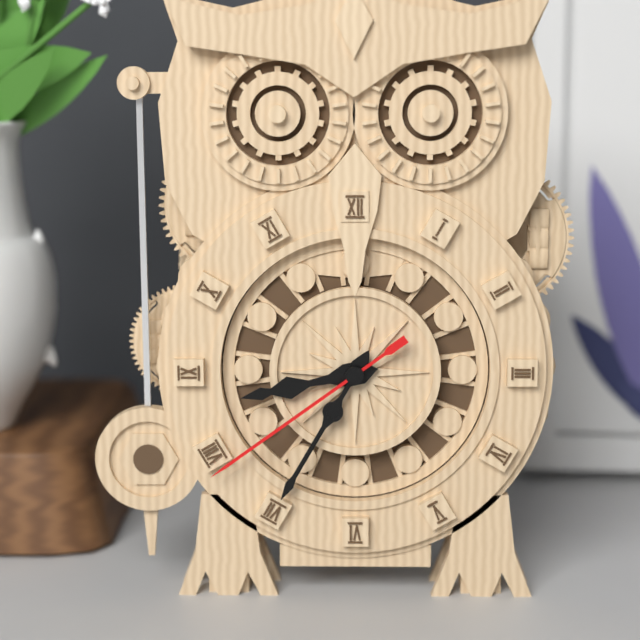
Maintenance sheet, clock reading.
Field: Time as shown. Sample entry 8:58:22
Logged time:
8:35:39
